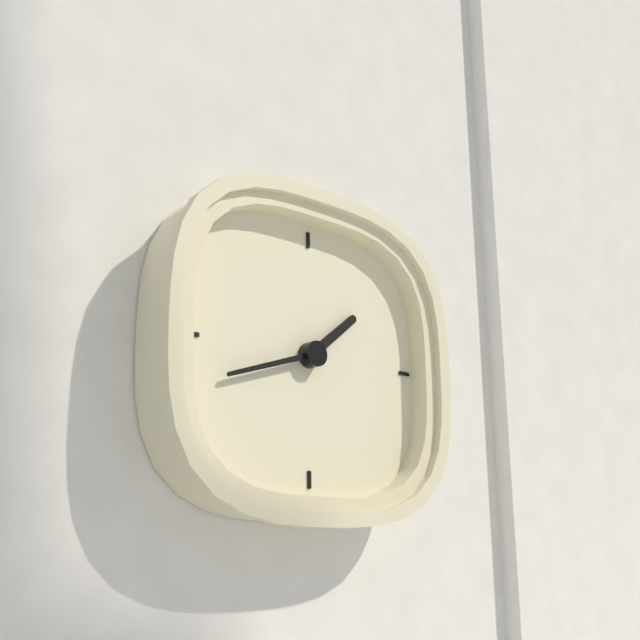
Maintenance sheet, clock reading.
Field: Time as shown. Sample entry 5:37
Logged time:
1:42
